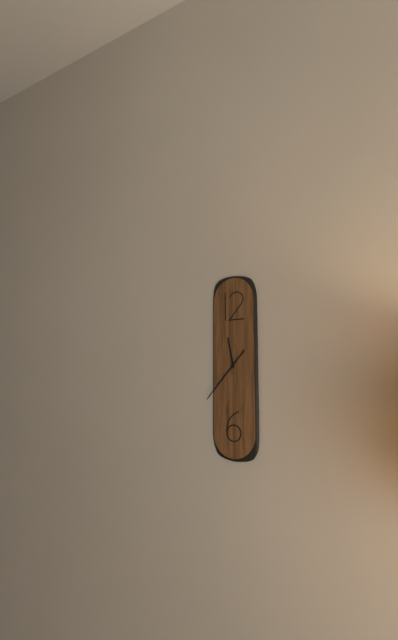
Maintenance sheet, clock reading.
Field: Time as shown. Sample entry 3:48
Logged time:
11:37
